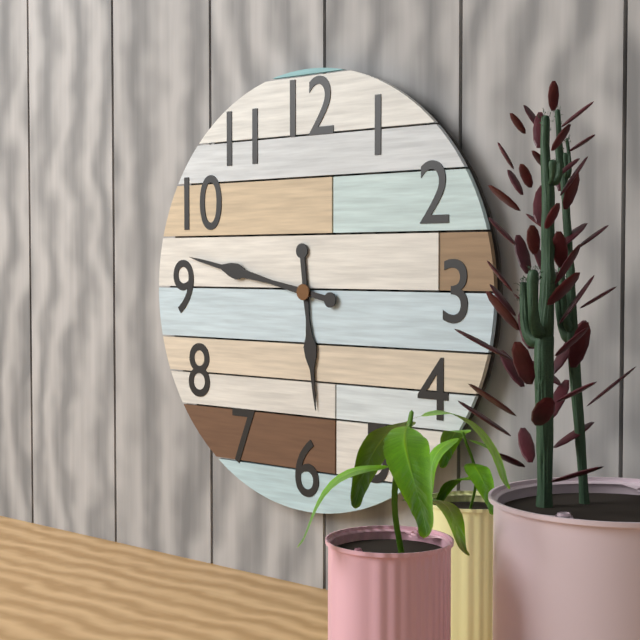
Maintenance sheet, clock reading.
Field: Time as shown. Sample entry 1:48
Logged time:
5:47
